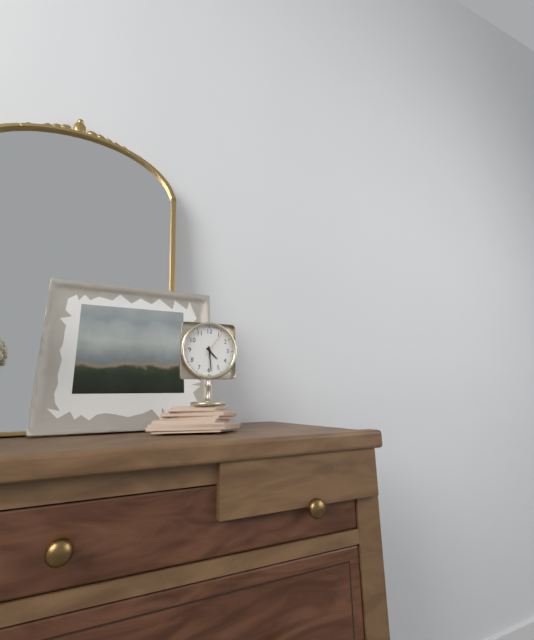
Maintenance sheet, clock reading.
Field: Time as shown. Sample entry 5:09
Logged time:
4:29
